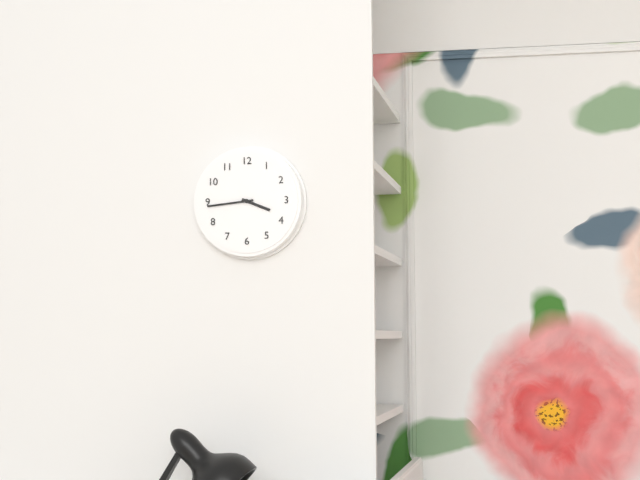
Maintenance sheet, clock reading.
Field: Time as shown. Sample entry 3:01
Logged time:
3:44
